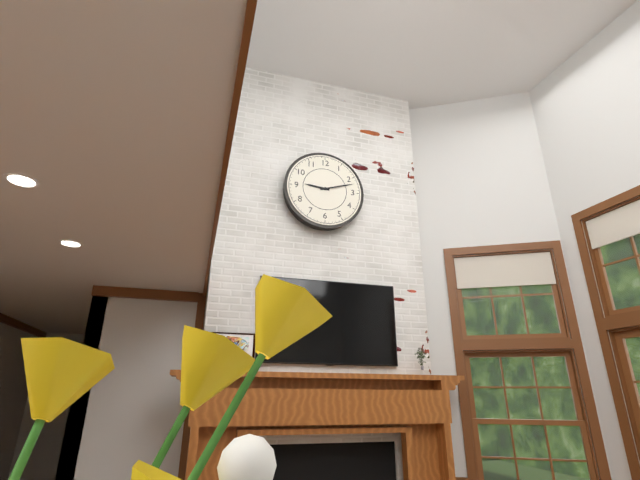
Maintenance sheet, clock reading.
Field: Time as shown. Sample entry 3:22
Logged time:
9:12
